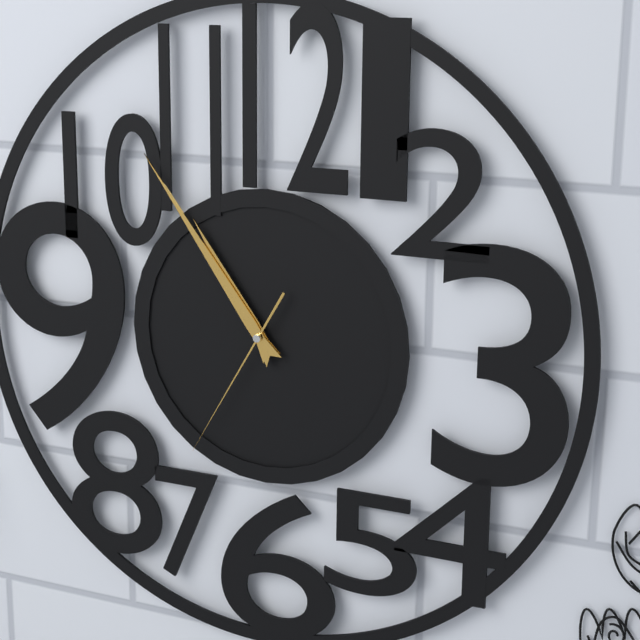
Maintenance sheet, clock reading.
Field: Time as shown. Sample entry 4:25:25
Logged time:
10:54:35
